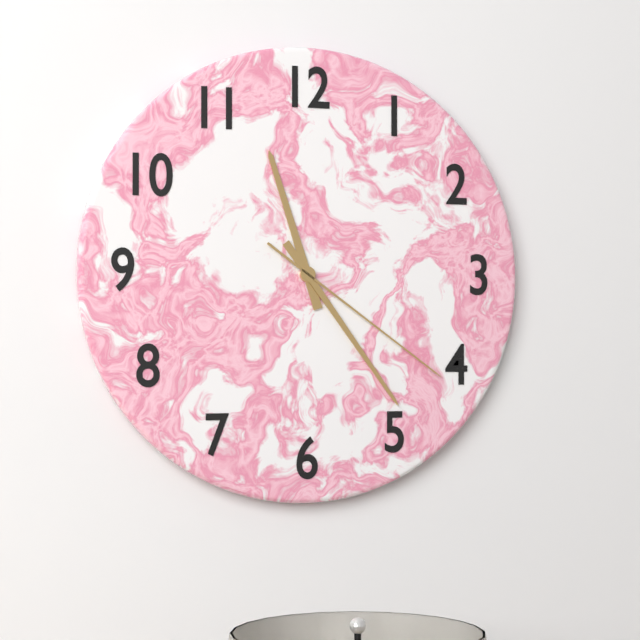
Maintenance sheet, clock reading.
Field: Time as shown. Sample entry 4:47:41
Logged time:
11:24:21
